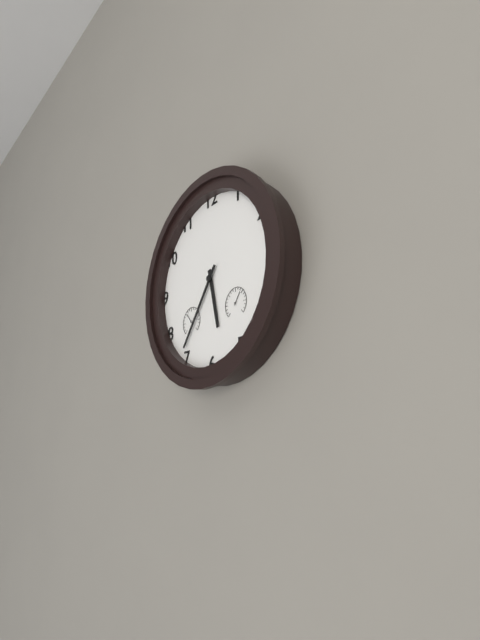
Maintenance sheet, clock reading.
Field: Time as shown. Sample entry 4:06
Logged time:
5:36
